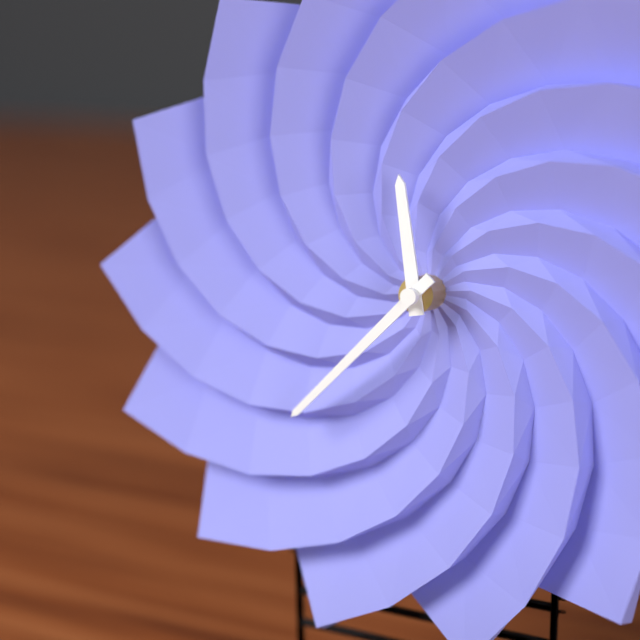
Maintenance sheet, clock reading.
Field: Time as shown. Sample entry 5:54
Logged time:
11:37
